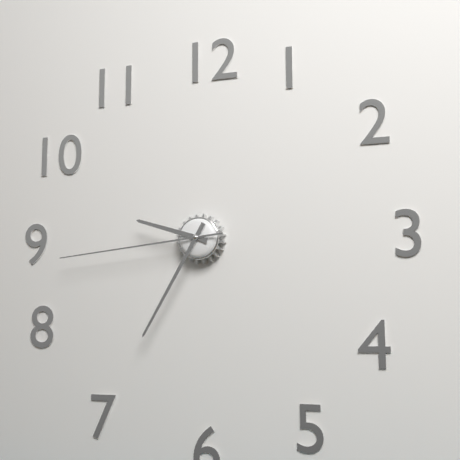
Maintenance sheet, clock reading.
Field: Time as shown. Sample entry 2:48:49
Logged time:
9:35:44
